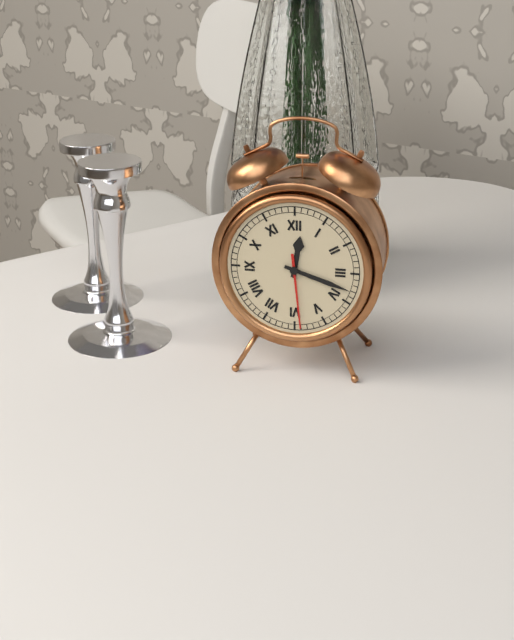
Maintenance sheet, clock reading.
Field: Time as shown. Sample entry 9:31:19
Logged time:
12:18:29
